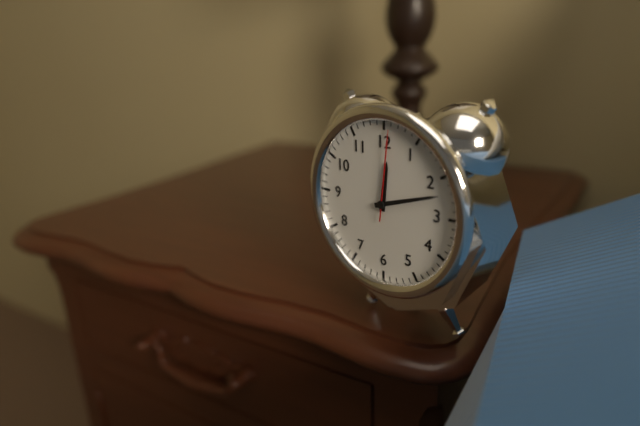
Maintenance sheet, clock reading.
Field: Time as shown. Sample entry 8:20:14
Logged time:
12:12:01
